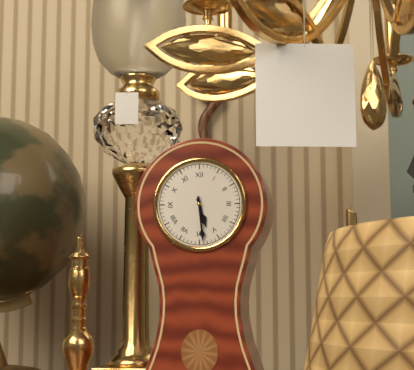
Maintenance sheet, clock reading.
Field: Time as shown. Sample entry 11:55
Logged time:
5:29
